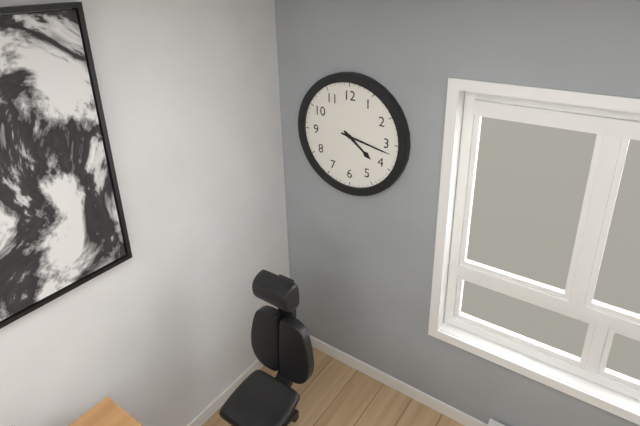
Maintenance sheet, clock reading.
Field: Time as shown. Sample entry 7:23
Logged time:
4:17
